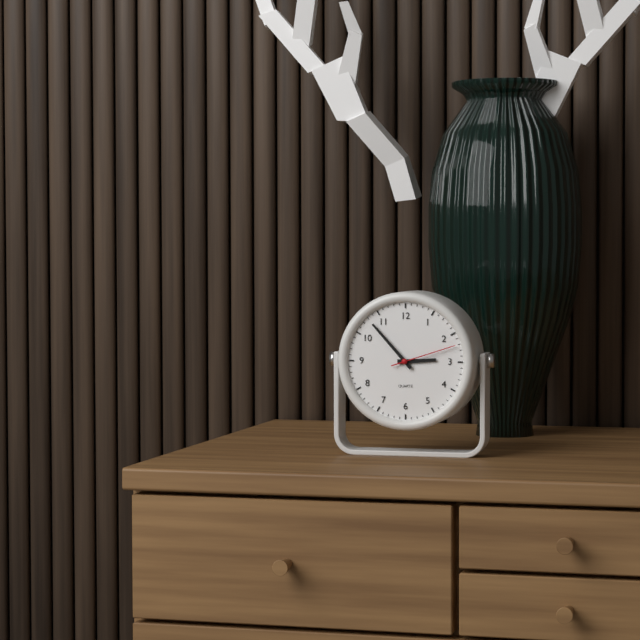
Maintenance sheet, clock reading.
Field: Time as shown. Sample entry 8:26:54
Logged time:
2:53:12
